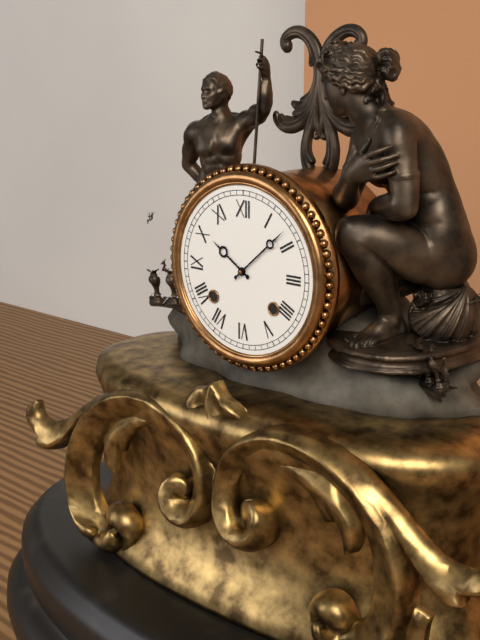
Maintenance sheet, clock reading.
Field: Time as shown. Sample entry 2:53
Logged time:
10:08
